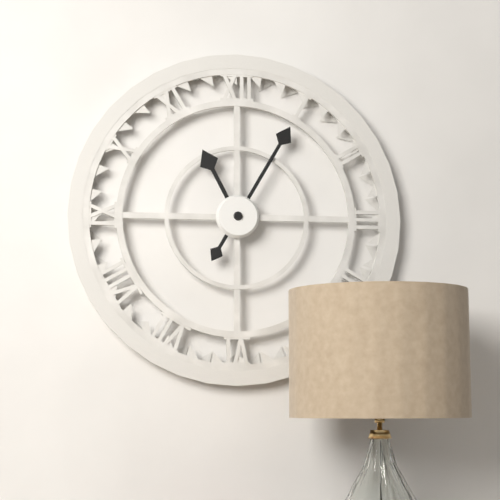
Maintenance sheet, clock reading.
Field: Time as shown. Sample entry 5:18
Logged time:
11:05
